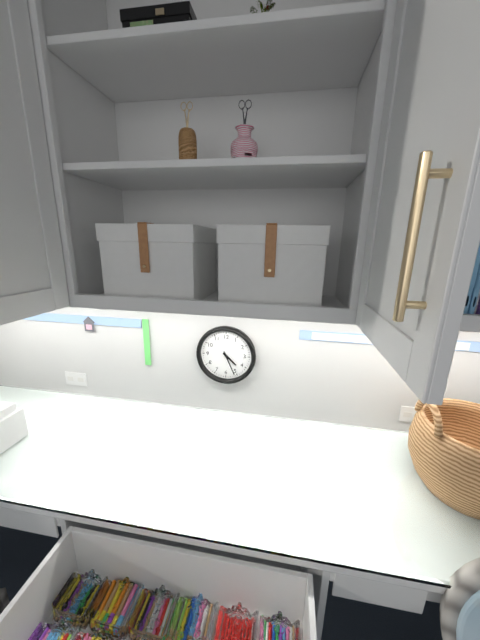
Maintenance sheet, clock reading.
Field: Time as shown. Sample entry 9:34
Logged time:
4:26
